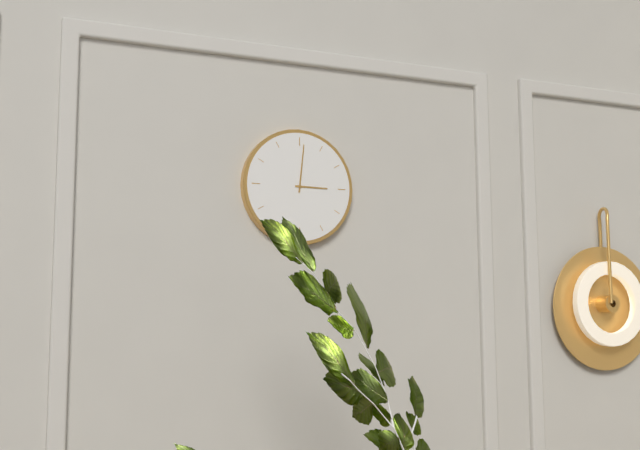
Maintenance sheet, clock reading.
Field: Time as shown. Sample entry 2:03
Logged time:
3:01
